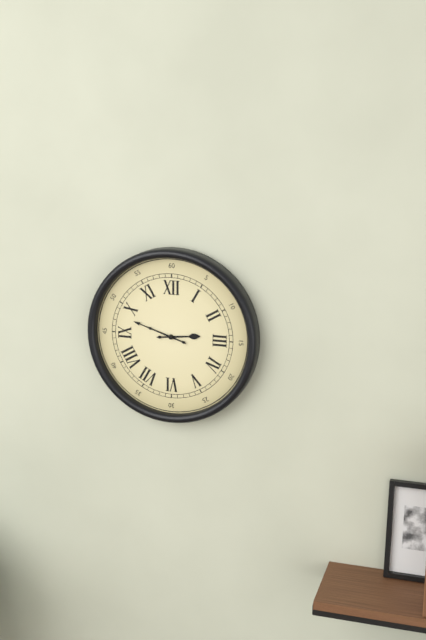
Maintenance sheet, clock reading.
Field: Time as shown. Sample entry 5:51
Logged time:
2:48
